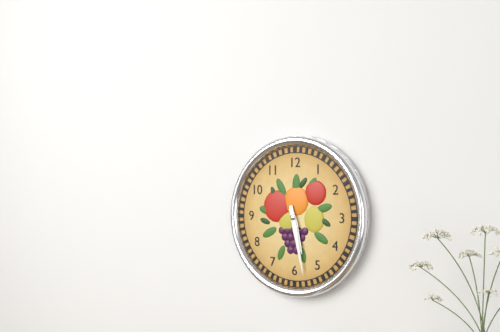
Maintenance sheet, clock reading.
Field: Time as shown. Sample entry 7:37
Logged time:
5:28
